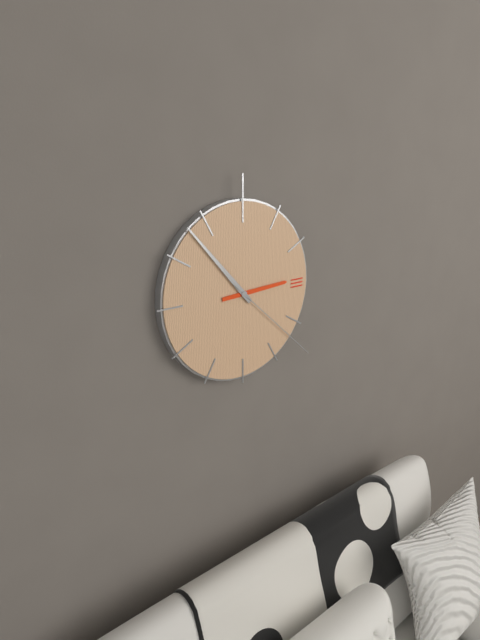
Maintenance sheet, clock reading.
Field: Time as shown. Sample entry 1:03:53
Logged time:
2:53:22
